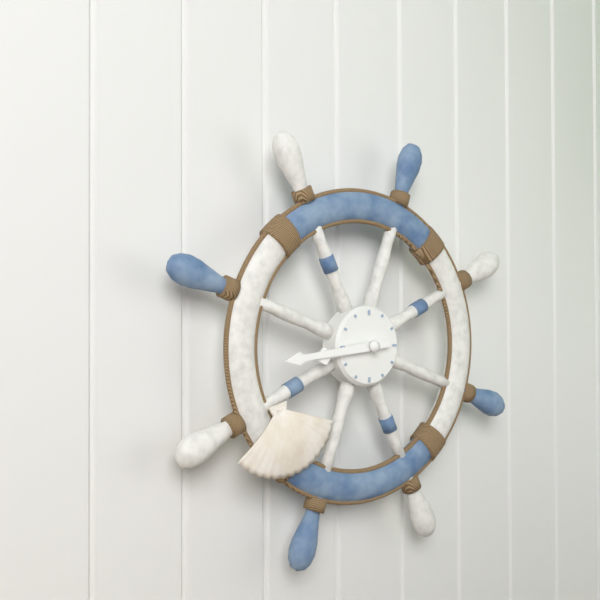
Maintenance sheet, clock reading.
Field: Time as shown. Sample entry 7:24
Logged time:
8:44
